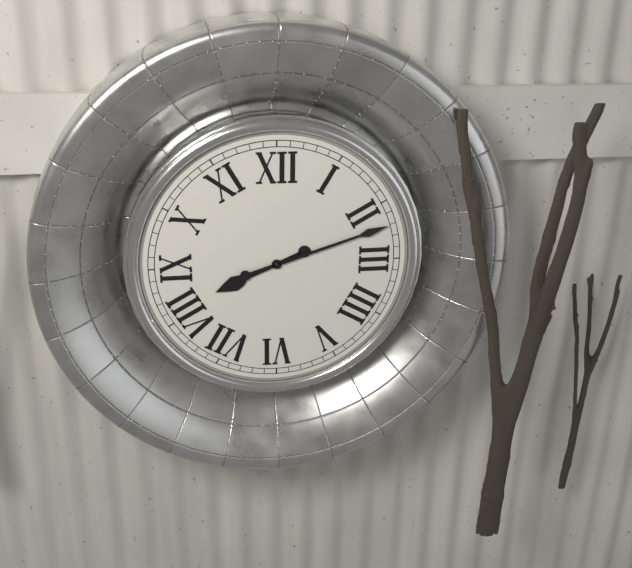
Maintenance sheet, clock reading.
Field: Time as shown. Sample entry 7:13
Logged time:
8:12
